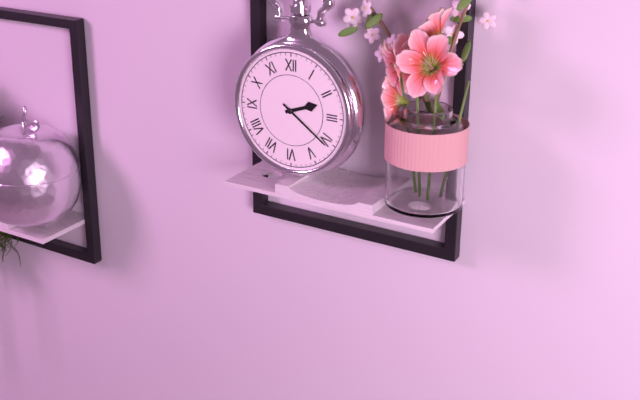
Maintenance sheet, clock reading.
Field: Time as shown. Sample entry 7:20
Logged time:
2:21
